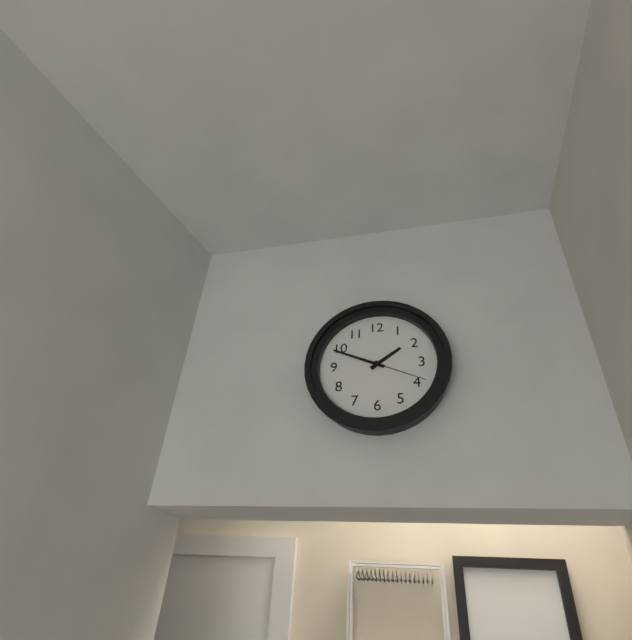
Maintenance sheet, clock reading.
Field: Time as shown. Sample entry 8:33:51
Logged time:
1:49:19
